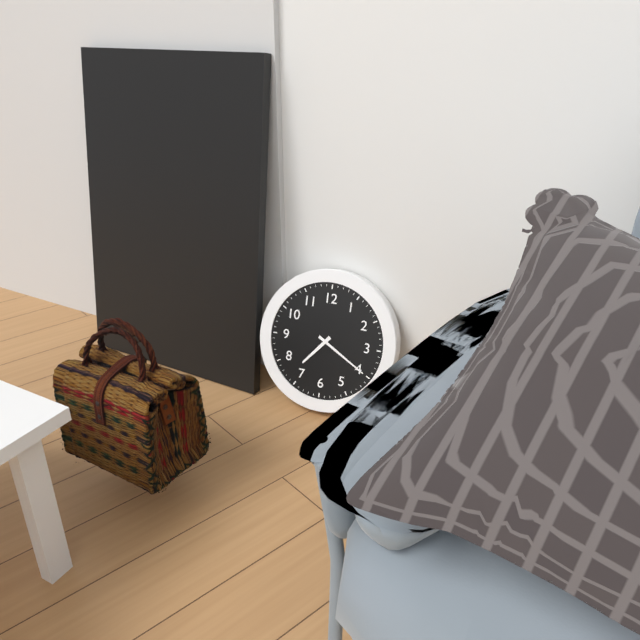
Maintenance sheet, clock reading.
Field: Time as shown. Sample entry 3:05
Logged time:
7:20
